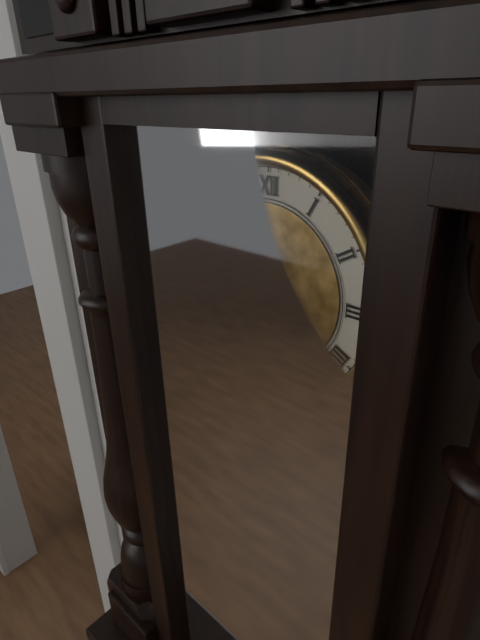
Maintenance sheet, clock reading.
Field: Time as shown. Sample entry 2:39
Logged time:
7:52
